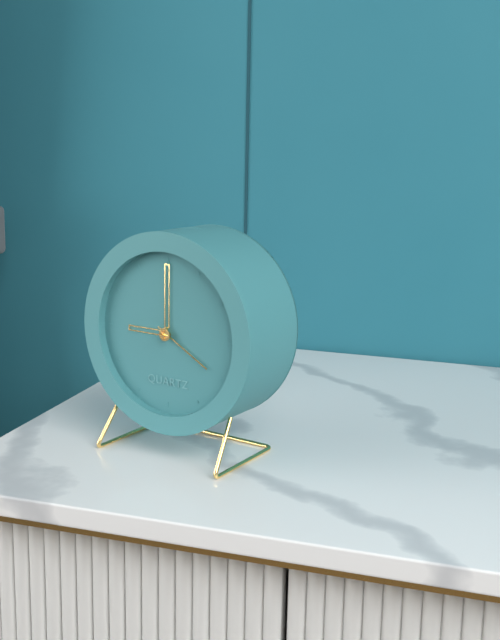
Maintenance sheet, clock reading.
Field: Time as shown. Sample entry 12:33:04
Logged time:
9:00:20
